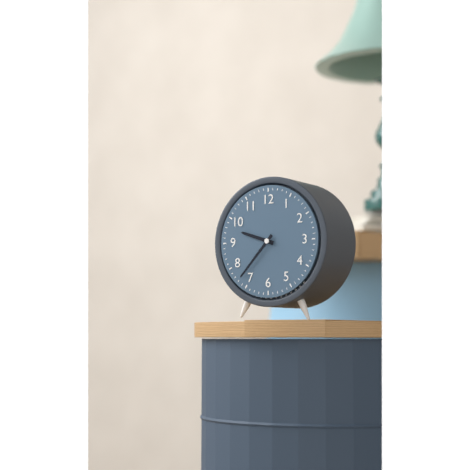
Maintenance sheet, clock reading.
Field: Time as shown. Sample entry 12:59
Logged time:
9:37
